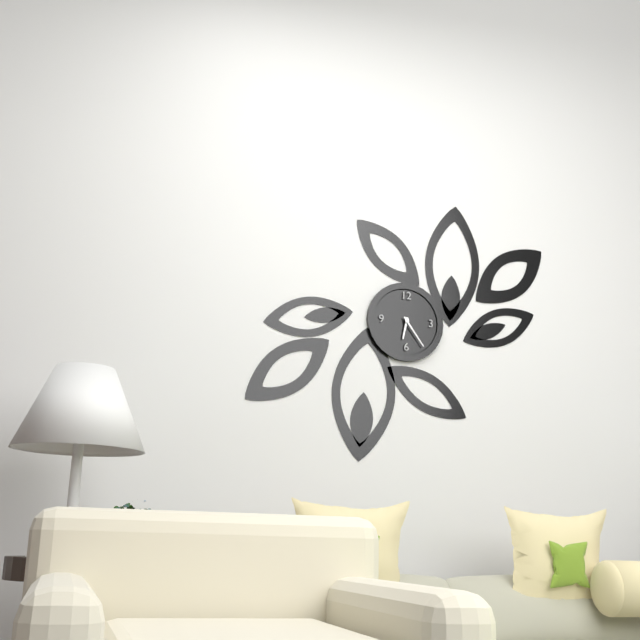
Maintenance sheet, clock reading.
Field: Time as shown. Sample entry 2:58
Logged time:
6:24
